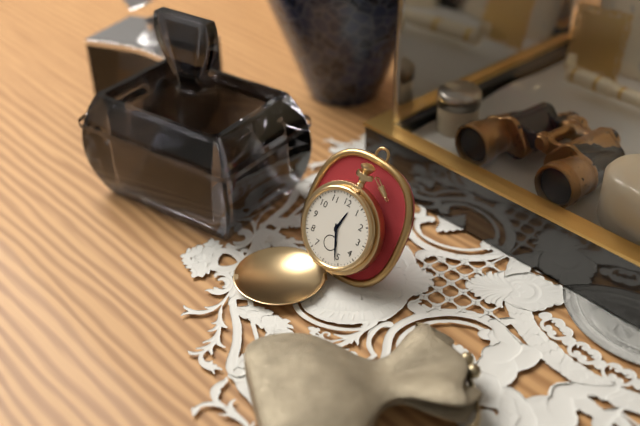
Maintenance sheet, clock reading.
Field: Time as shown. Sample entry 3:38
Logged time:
12:26
